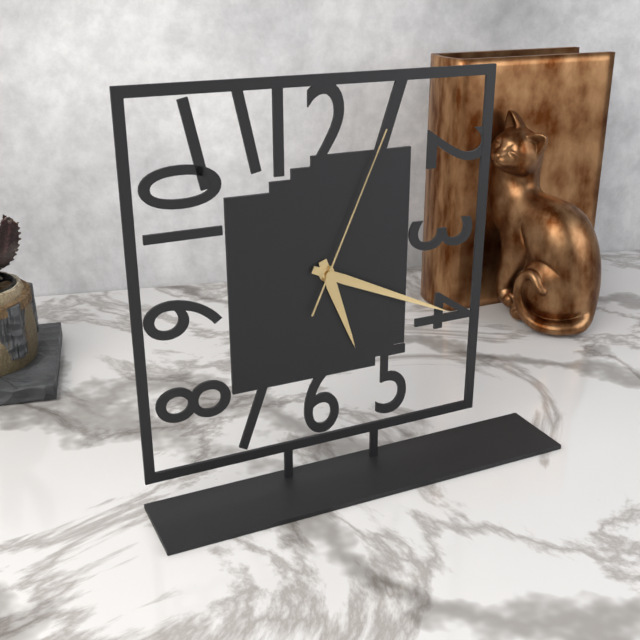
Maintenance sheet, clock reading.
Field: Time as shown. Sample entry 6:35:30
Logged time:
5:19:04
